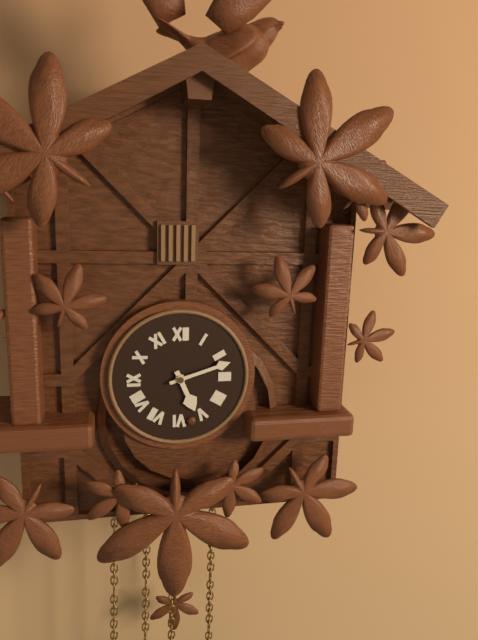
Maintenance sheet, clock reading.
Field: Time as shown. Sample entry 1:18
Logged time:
5:12
